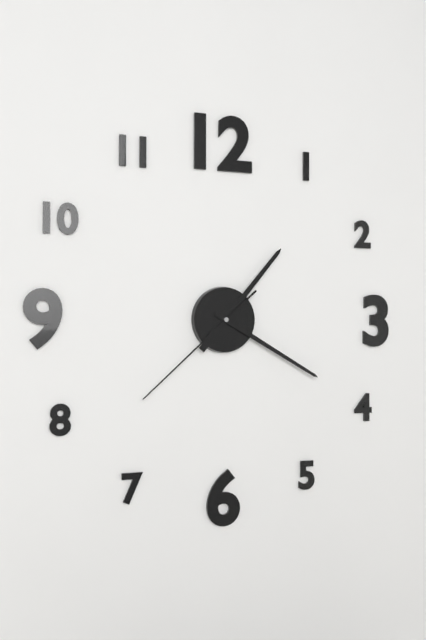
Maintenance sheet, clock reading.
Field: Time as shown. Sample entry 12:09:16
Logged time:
1:20:38
